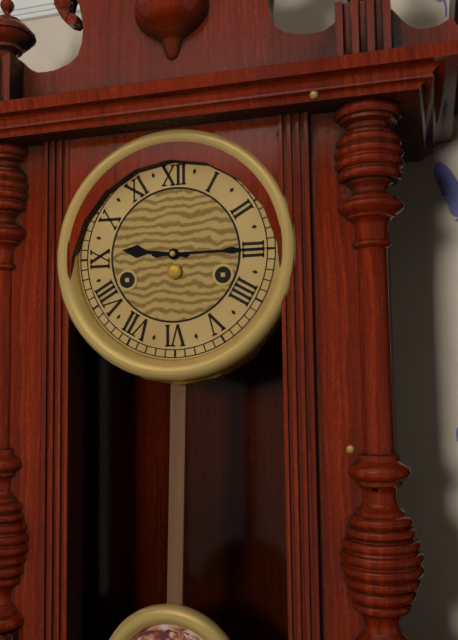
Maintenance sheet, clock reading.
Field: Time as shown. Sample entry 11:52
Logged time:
9:15
